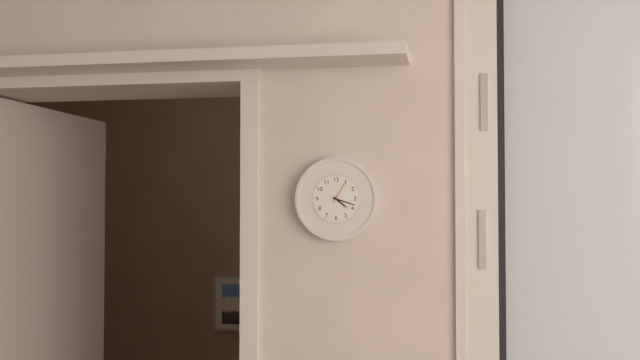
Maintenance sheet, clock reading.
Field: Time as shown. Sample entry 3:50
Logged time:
4:18
